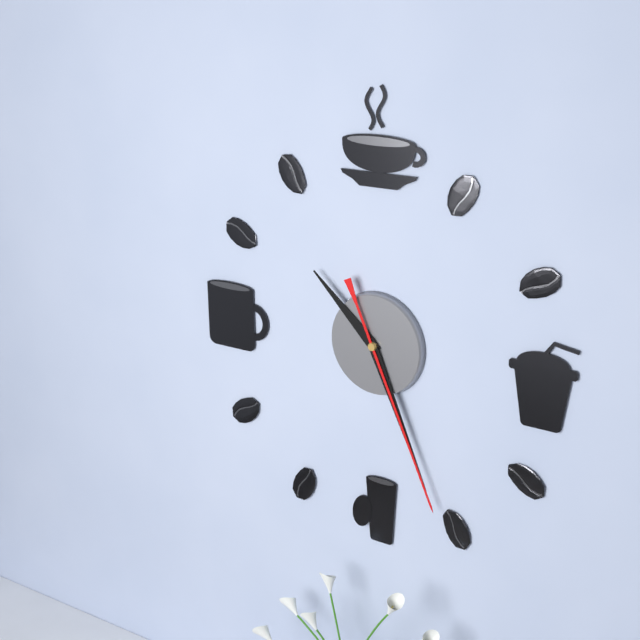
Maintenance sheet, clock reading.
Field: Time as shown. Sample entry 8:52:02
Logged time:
10:26:26
